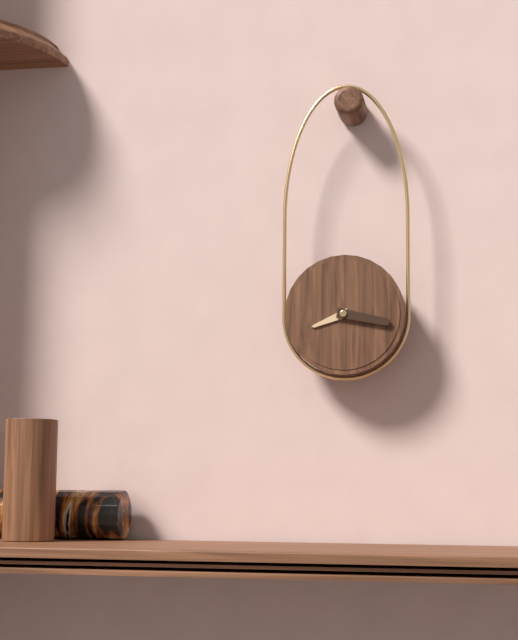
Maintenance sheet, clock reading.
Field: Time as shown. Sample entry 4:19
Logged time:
8:17
